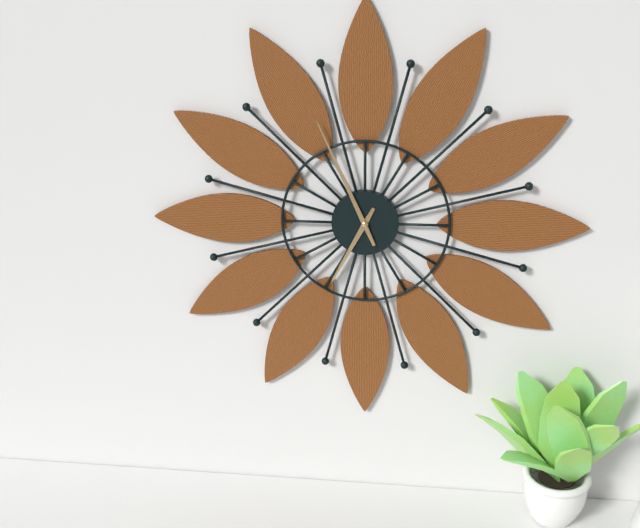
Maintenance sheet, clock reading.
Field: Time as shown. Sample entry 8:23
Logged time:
6:56
